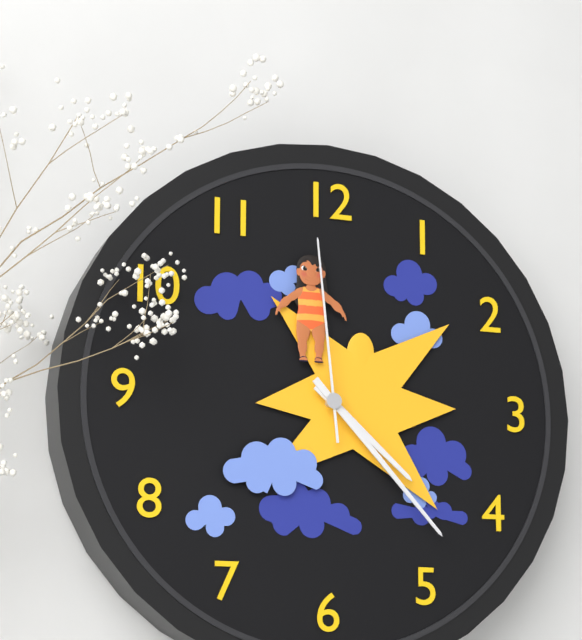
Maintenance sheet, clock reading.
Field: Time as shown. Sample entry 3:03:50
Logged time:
4:23:59
